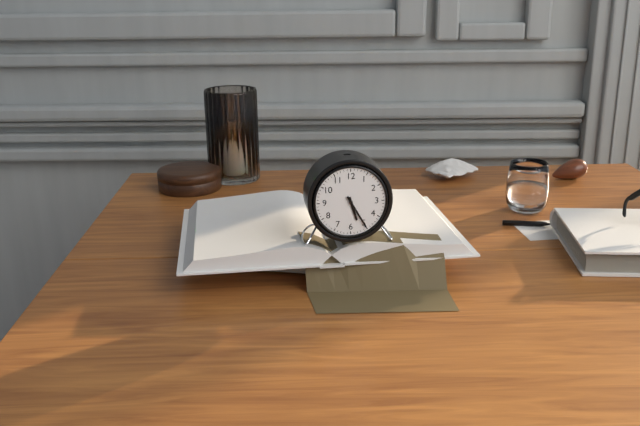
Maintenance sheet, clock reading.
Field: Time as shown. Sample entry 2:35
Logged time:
5:25
